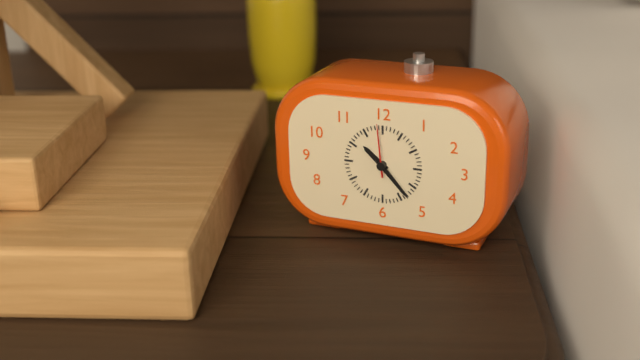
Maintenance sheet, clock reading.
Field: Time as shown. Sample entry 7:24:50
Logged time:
10:23:59
